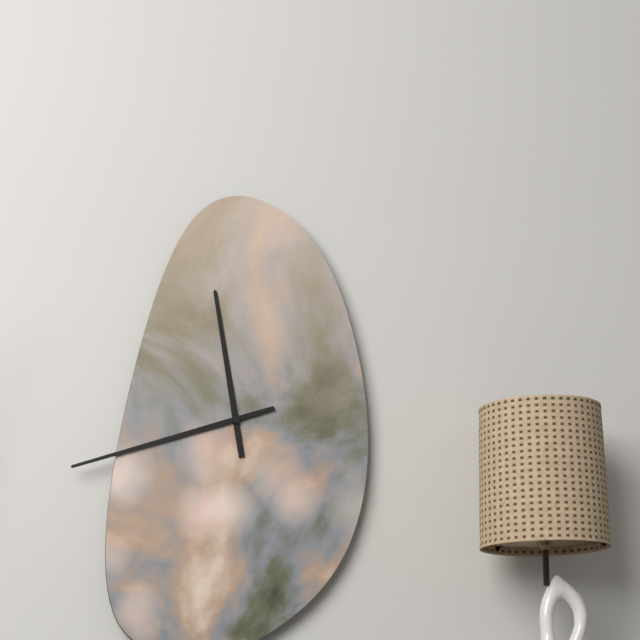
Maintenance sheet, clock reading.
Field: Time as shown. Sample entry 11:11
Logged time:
11:42
